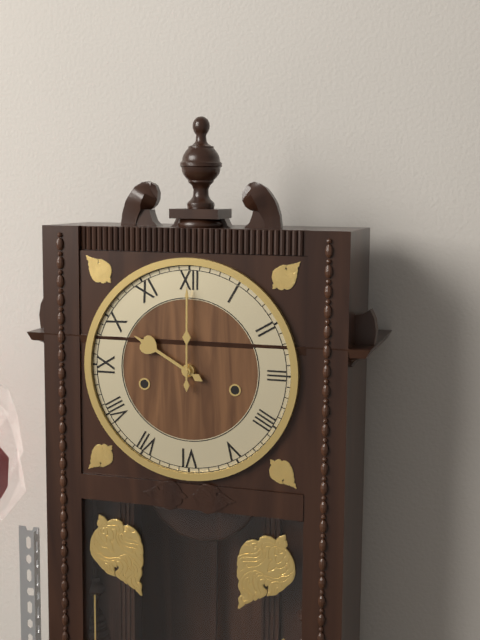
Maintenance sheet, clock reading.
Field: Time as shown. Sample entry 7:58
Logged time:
10:00
